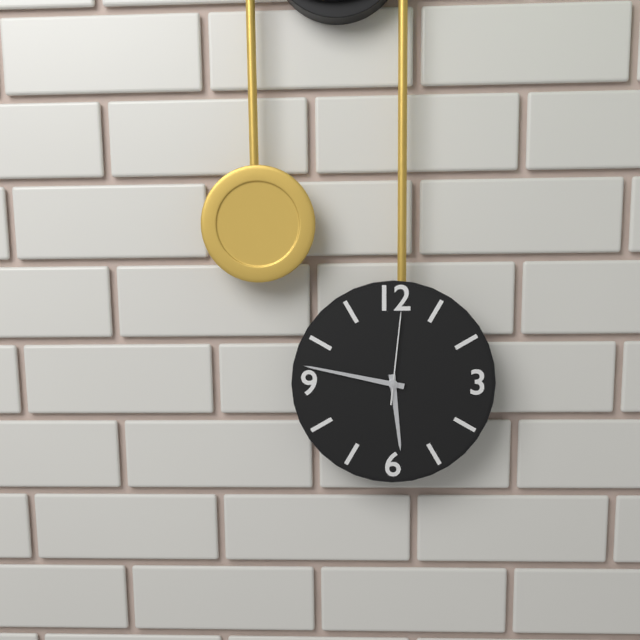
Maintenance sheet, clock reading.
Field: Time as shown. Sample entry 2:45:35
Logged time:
5:47:01
